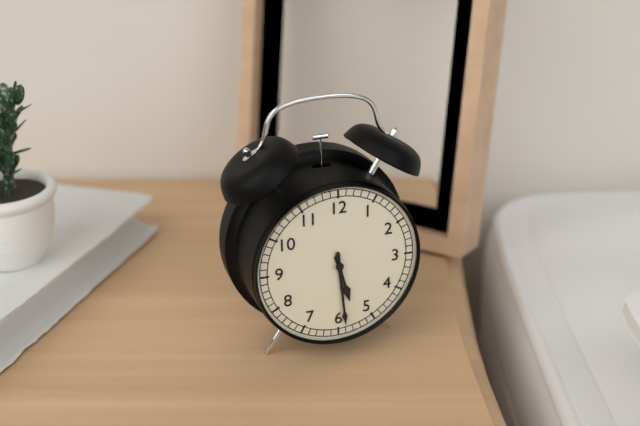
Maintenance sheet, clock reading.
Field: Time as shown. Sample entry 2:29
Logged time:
5:29
